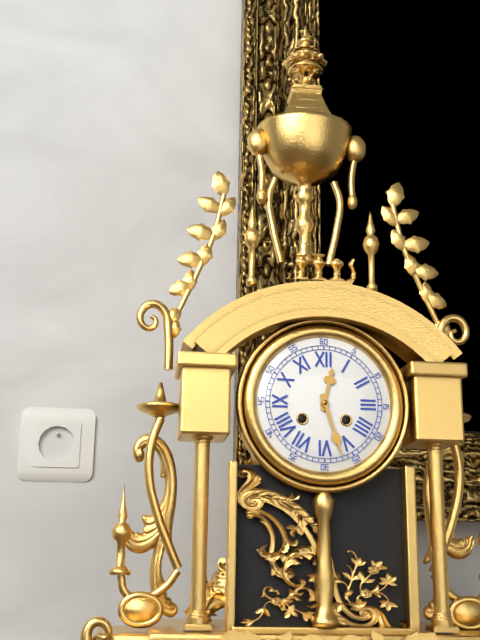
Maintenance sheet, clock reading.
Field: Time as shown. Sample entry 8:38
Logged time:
12:27
